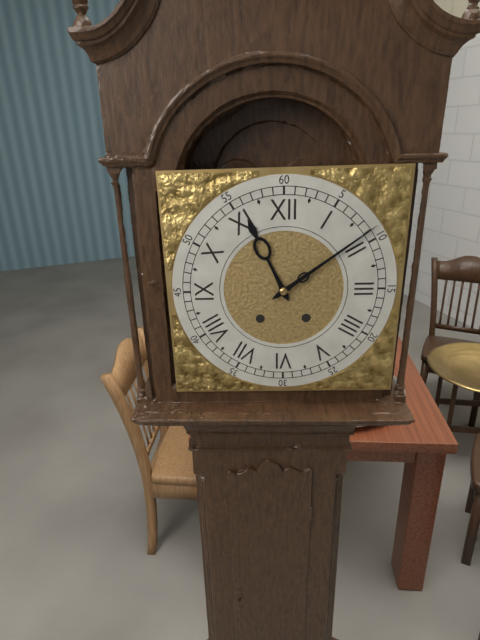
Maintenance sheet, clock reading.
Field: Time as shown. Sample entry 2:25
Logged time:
11:09
